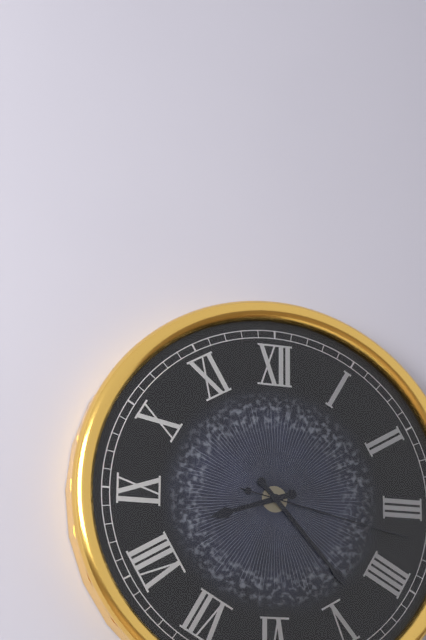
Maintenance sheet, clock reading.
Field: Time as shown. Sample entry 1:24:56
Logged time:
8:23:17
